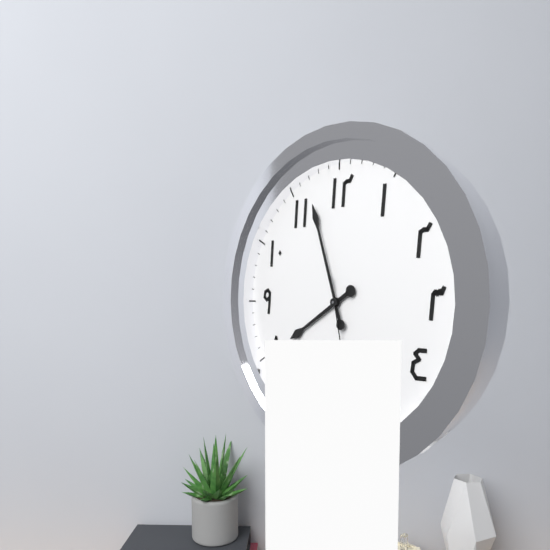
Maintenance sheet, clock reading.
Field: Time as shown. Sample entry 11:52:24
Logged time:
7:57:28
